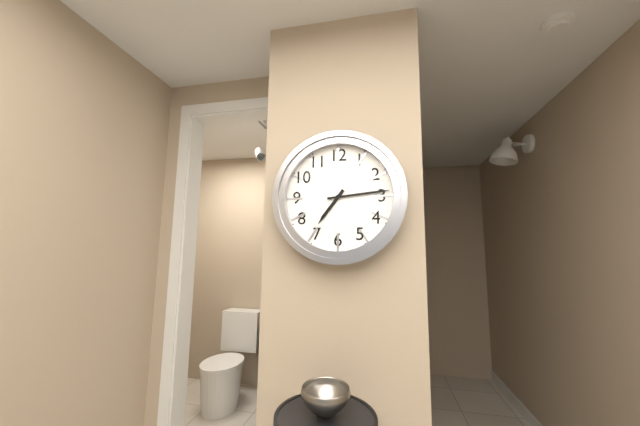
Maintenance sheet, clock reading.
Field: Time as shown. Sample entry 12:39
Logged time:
7:14
